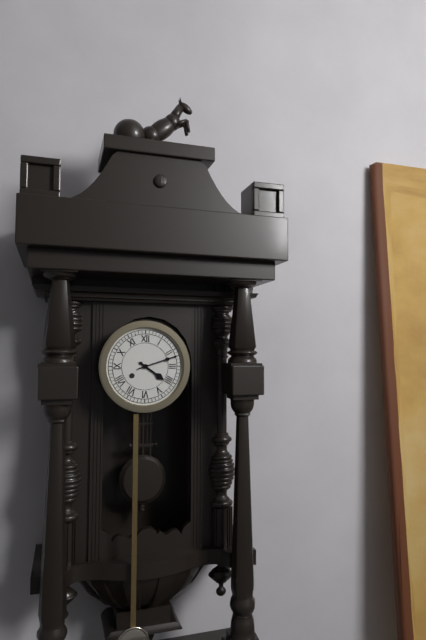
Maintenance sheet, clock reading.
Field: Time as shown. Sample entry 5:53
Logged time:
4:12
